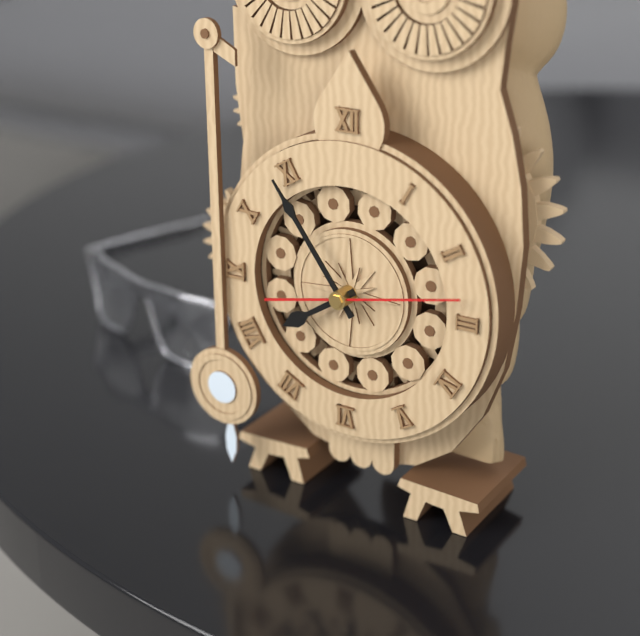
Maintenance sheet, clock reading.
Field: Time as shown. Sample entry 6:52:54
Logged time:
7:54:13
